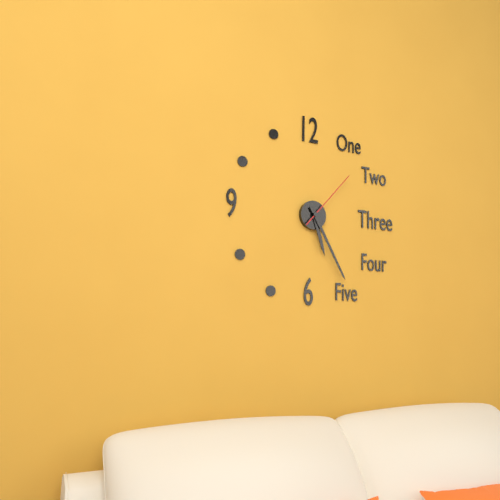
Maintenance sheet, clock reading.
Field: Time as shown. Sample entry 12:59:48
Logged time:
5:25:07
